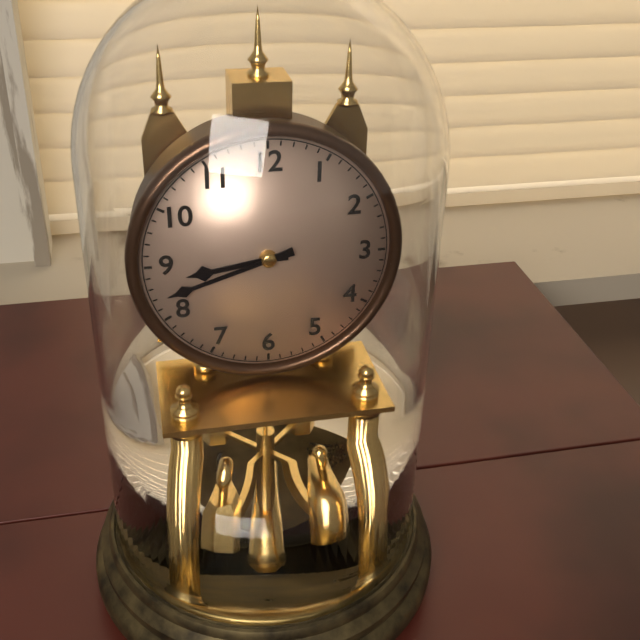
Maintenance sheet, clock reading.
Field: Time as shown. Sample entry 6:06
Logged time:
8:42
